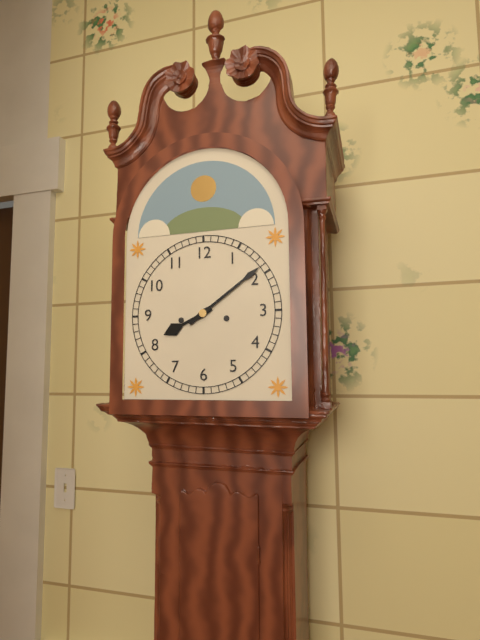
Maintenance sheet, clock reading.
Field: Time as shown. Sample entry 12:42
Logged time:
8:09
